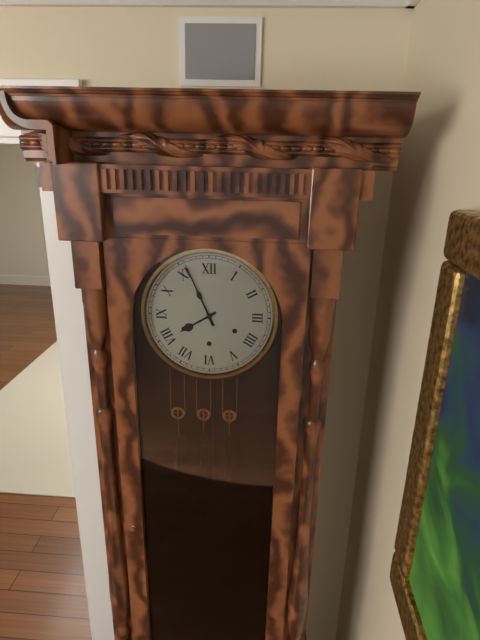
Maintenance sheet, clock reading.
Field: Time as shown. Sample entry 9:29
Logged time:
7:56
